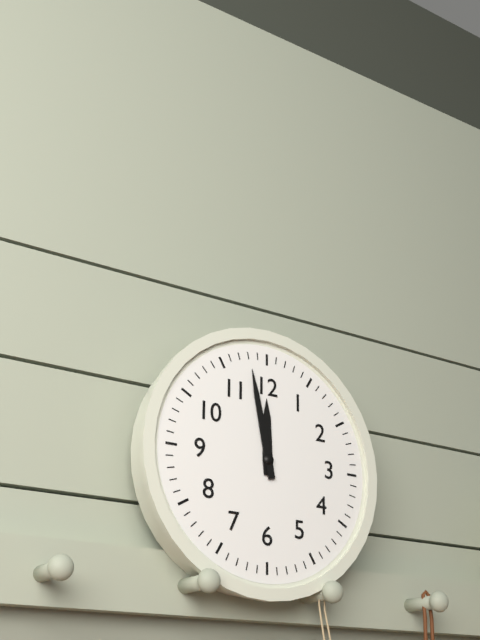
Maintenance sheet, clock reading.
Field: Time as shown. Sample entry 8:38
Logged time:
11:58
